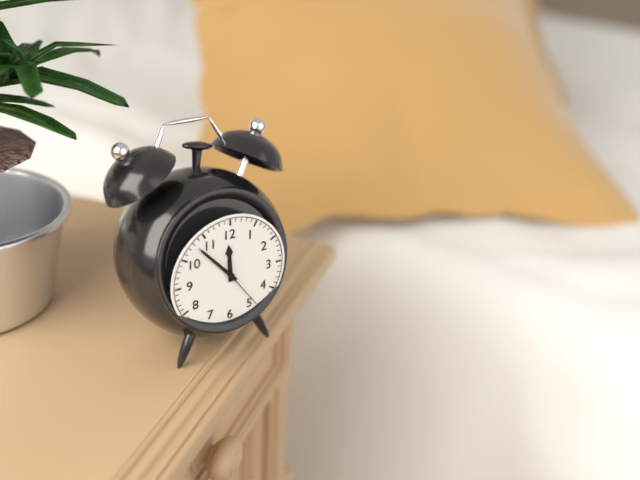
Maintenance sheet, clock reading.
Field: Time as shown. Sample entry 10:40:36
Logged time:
11:53:24
